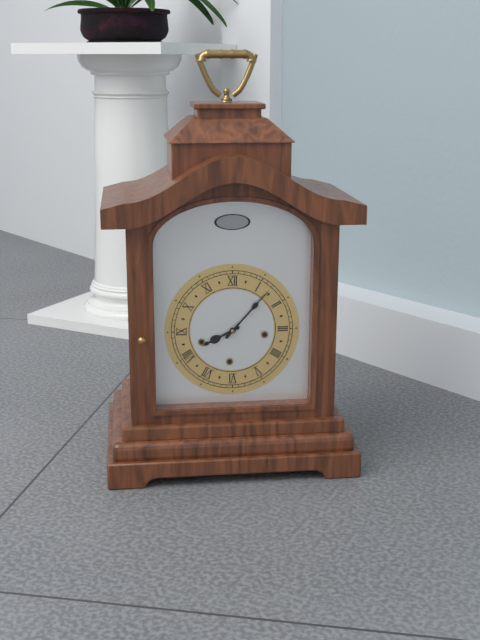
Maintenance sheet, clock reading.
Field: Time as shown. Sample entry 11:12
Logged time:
8:07
